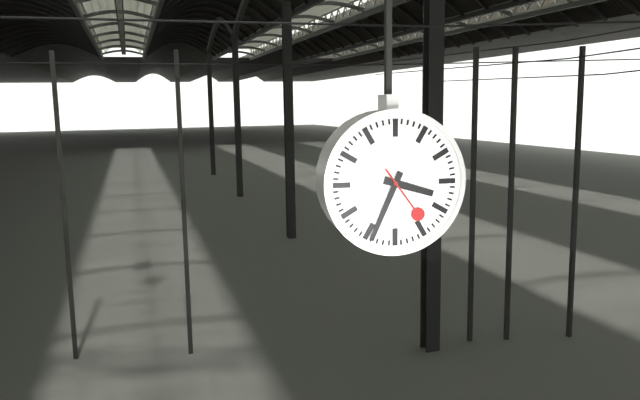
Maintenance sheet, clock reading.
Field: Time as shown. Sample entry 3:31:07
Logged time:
3:34:24
